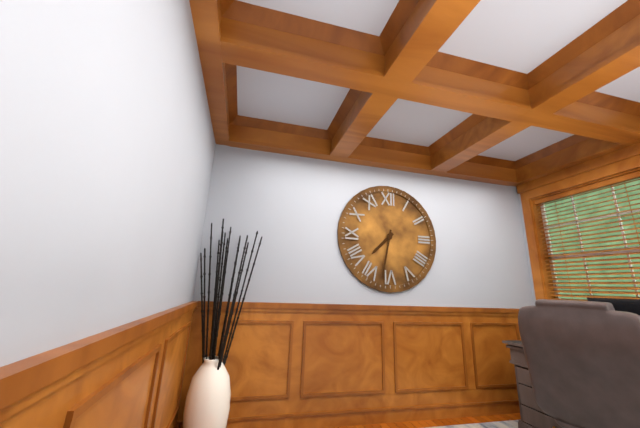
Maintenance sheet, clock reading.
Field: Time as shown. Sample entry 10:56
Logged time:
7:32
